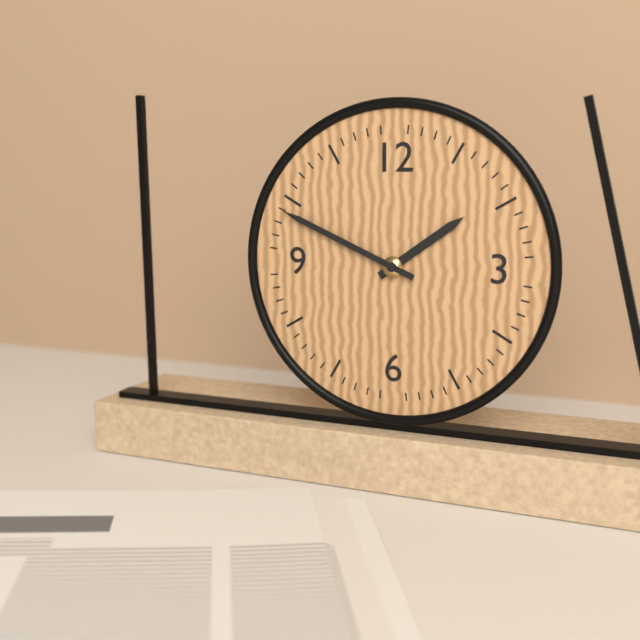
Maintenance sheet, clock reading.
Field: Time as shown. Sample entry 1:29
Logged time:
1:49
